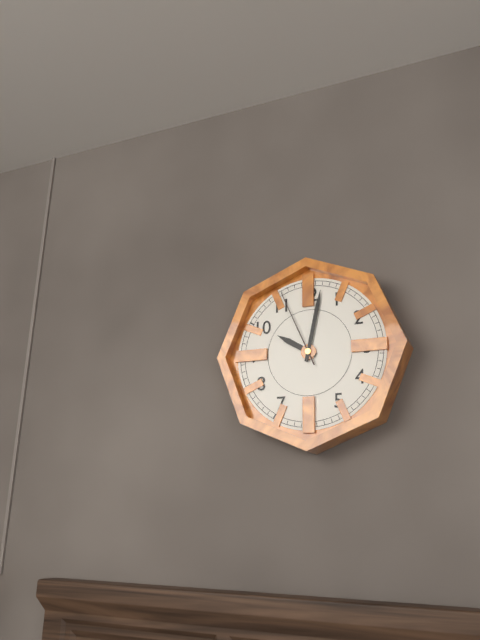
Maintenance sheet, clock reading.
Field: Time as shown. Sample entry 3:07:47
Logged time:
10:02:56
